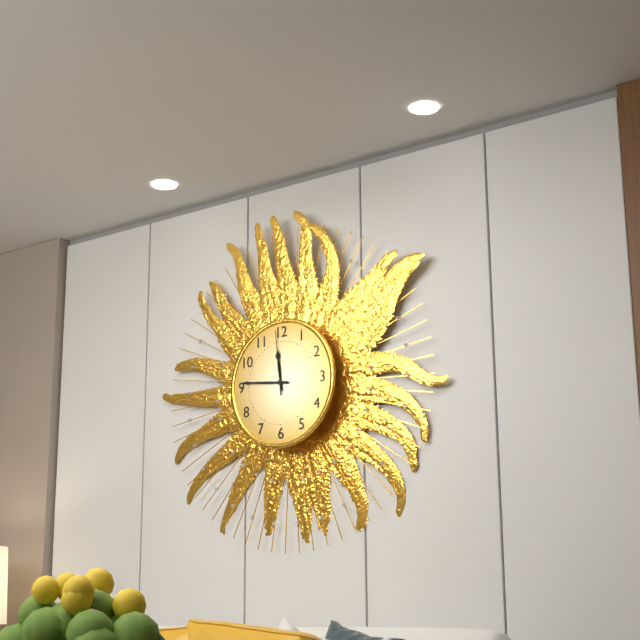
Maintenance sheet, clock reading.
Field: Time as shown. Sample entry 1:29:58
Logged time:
11:46:59
